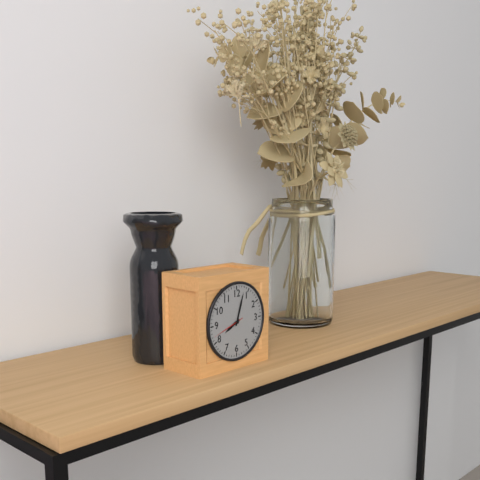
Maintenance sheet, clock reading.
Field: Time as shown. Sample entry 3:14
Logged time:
8:03
